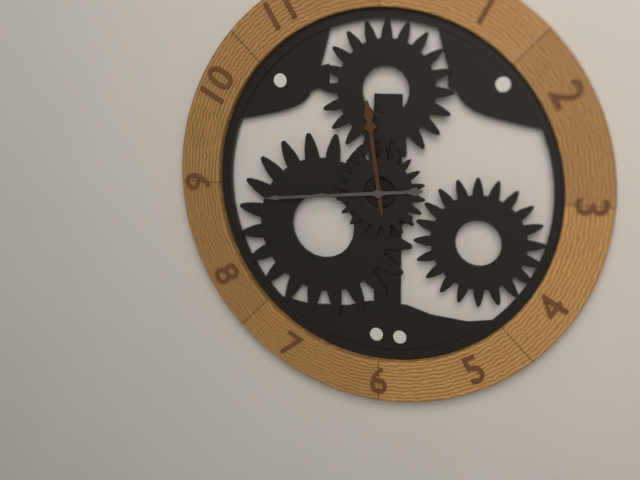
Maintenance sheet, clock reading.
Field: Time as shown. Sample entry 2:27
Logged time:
11:44
